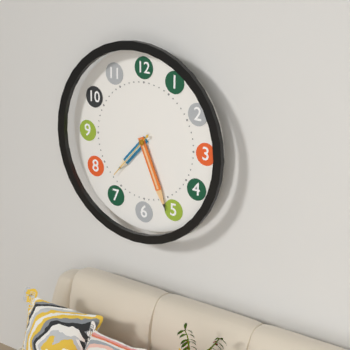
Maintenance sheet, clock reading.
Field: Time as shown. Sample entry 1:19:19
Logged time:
7:26:37
